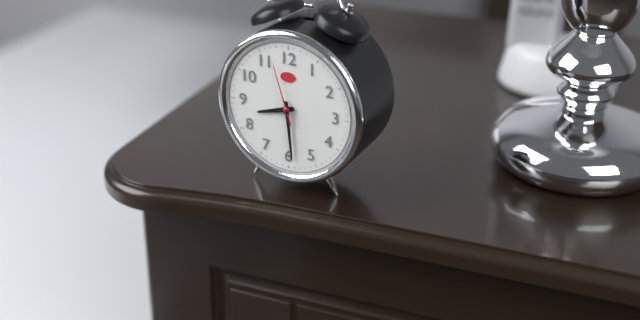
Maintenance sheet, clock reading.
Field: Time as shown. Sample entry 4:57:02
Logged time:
8:29:57
